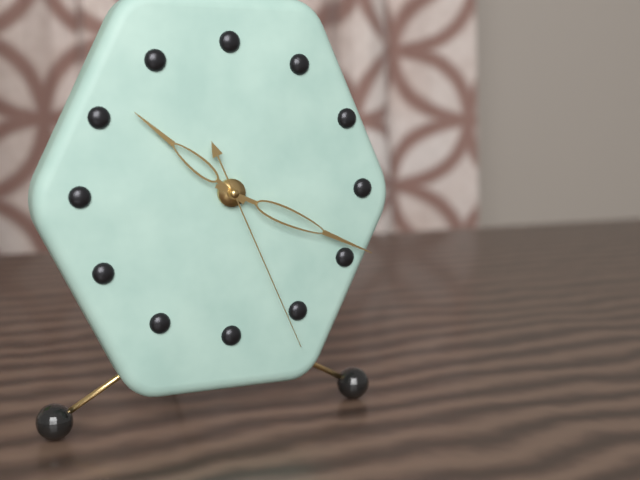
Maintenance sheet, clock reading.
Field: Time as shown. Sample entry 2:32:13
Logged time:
10:19:26
